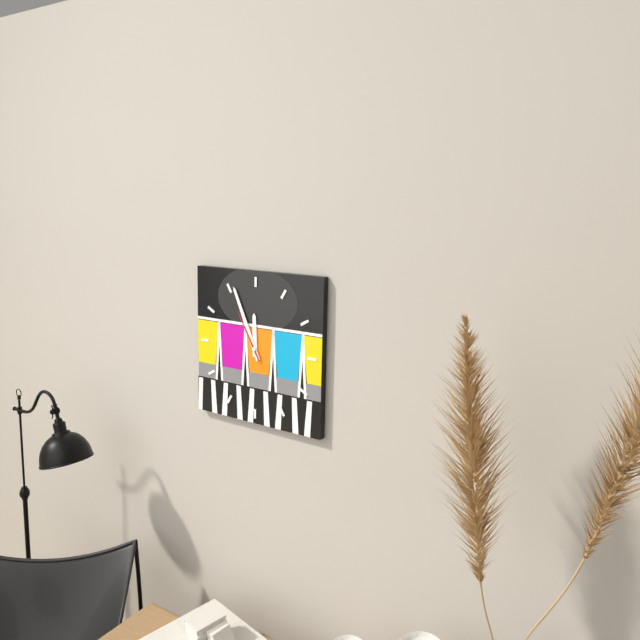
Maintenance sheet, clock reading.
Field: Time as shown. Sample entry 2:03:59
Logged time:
11:56:55
